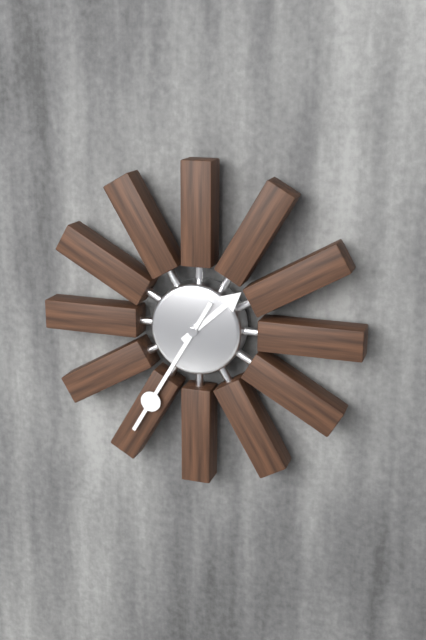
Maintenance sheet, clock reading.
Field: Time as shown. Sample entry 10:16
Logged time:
1:35
